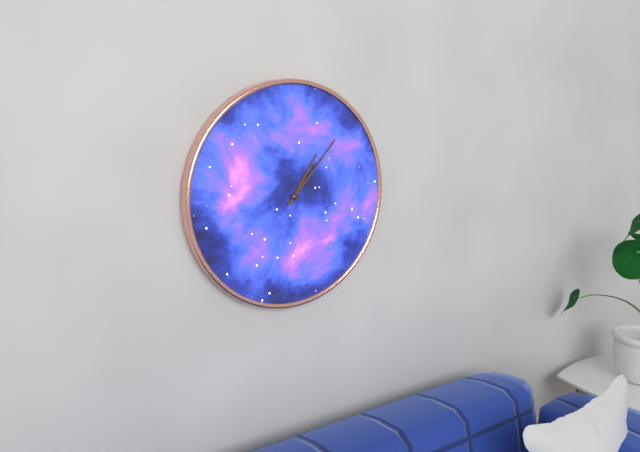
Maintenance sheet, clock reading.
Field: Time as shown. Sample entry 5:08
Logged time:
1:07
